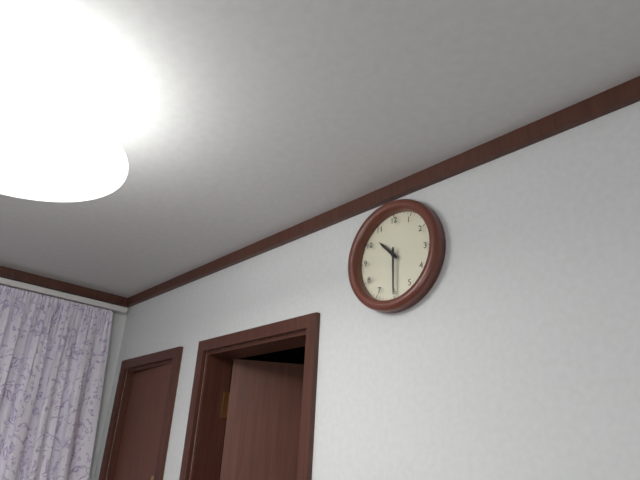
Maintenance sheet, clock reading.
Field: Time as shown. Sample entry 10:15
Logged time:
10:30
